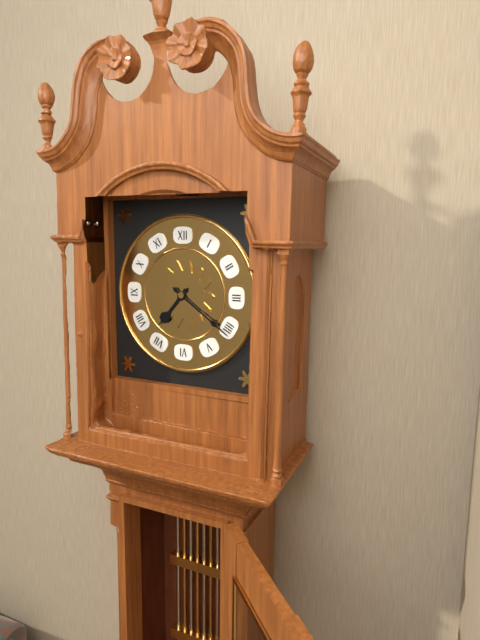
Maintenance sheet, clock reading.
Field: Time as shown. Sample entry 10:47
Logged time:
7:21
